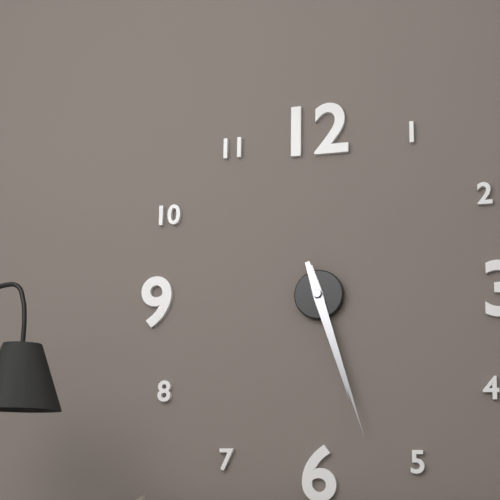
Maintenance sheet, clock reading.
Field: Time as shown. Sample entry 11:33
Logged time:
5:27
